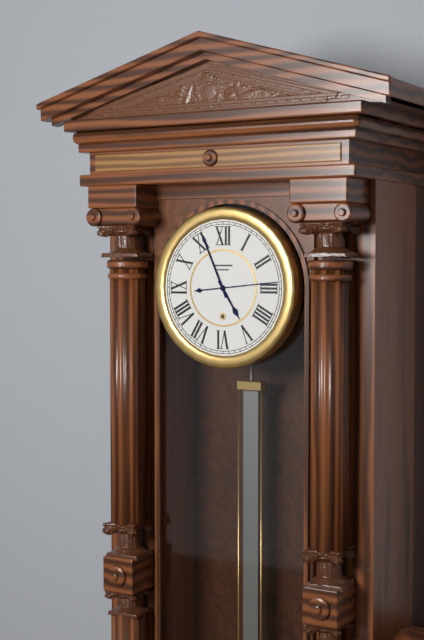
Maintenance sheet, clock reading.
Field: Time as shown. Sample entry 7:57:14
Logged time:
4:56:14
